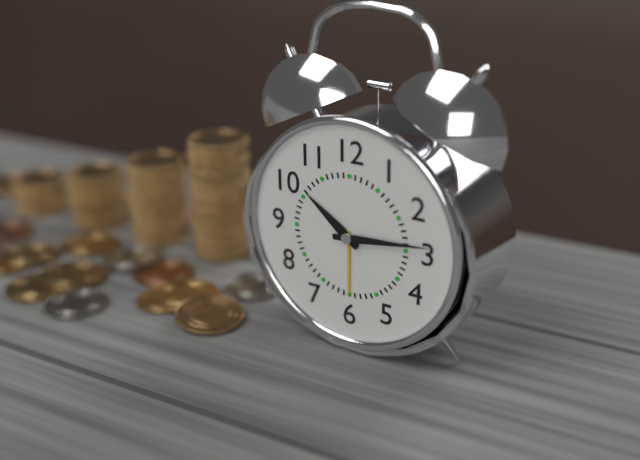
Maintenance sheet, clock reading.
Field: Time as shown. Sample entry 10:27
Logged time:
10:14
